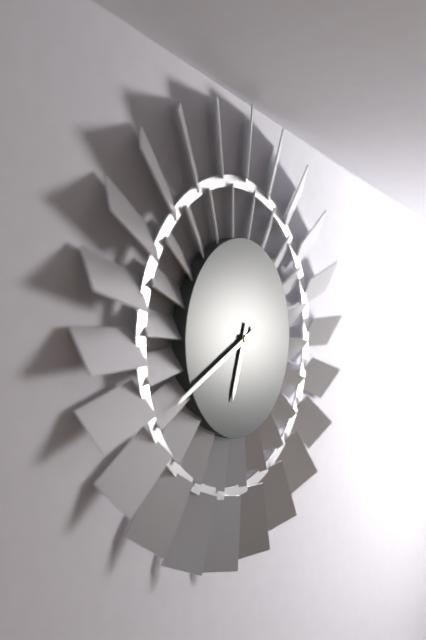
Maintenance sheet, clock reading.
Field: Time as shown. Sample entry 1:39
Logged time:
6:41
